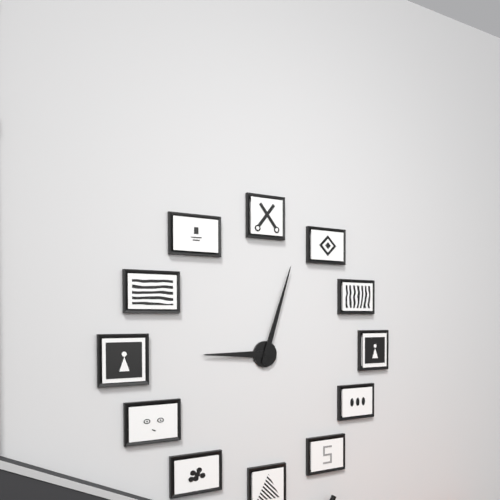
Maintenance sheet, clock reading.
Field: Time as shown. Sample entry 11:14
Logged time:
9:03
